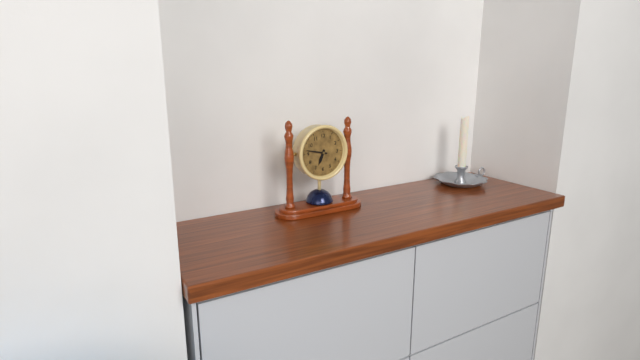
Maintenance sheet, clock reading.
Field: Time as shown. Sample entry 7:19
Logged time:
6:47
